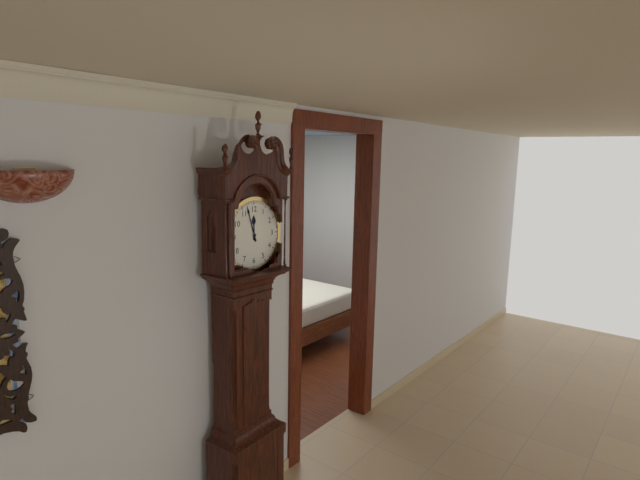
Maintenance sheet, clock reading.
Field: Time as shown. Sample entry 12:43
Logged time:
11:57
